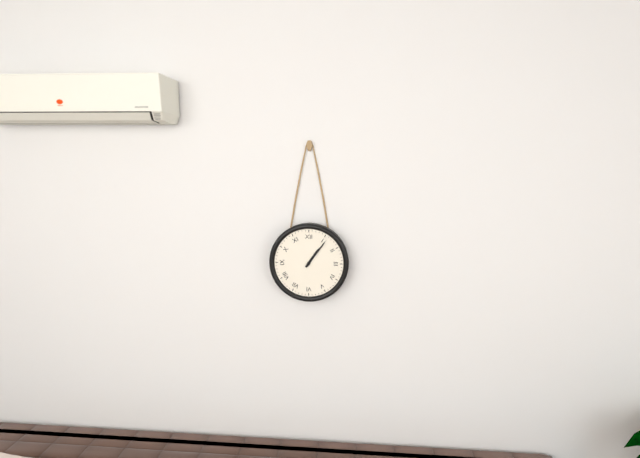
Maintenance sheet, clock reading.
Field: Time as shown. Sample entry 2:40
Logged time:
1:06
